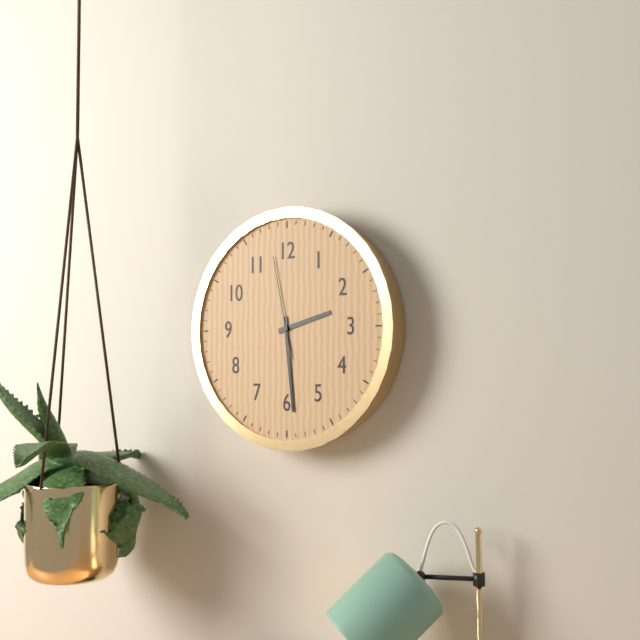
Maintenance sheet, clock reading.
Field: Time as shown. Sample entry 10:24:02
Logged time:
2:29:58
